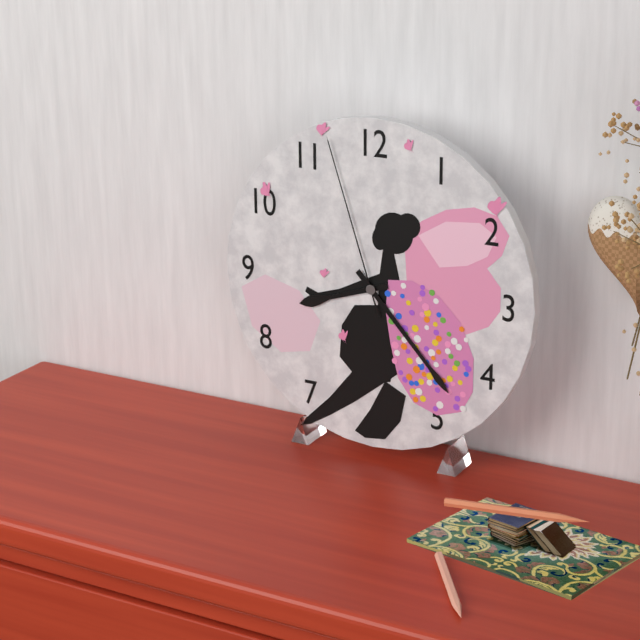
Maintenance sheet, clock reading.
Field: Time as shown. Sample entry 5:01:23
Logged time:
8:23:57
